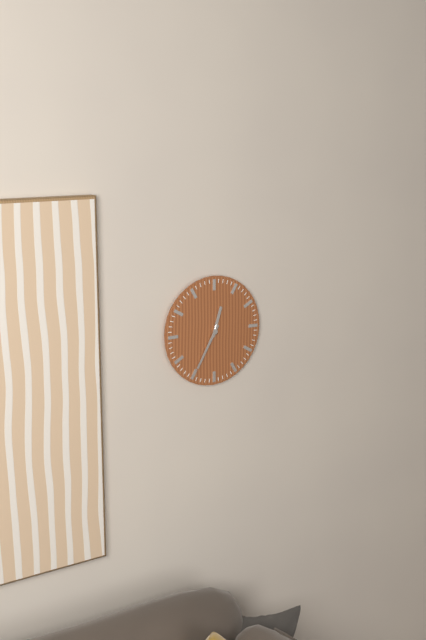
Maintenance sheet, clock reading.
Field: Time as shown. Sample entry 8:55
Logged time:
12:35
